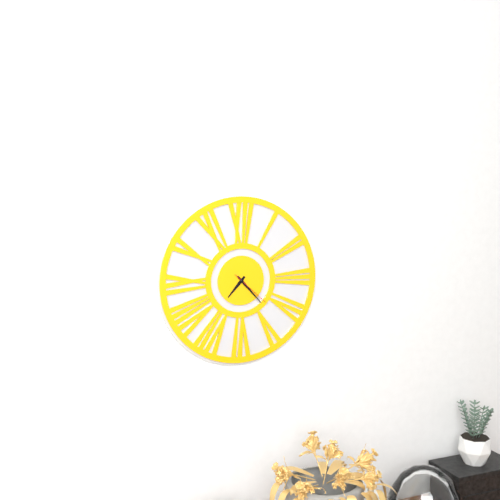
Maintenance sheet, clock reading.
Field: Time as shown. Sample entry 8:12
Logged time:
7:23
